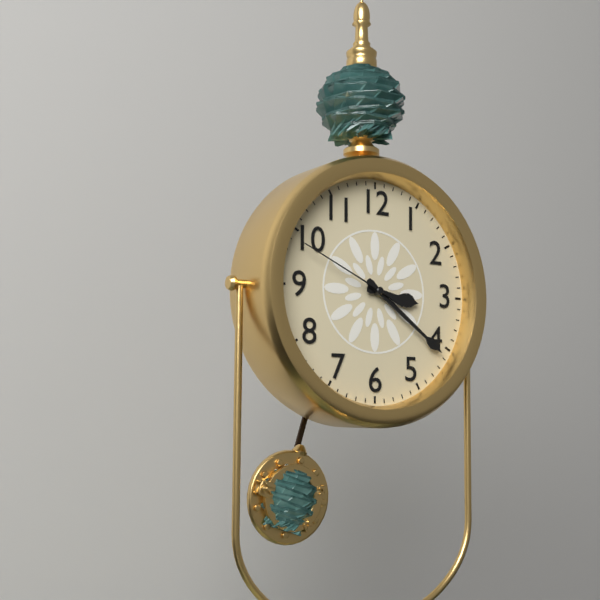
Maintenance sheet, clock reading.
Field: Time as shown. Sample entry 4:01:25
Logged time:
3:21:49
